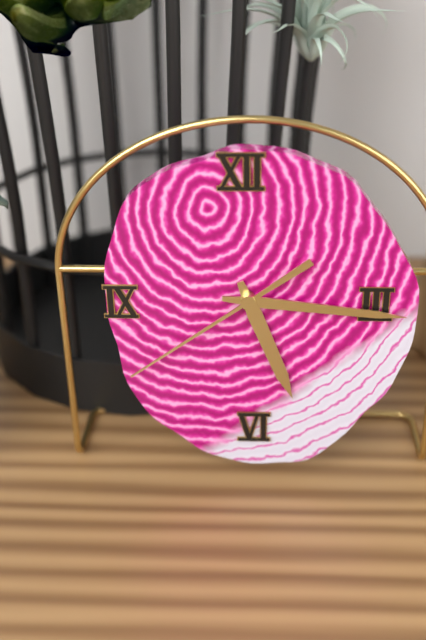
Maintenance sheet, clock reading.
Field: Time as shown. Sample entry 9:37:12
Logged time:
5:16:39
